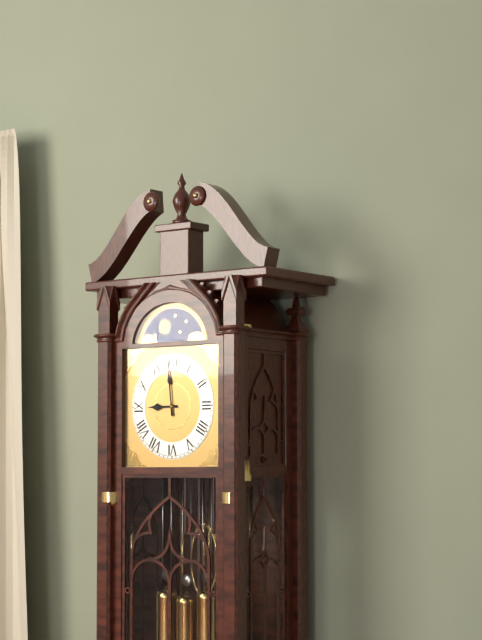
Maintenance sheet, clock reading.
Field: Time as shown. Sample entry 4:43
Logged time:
8:59
